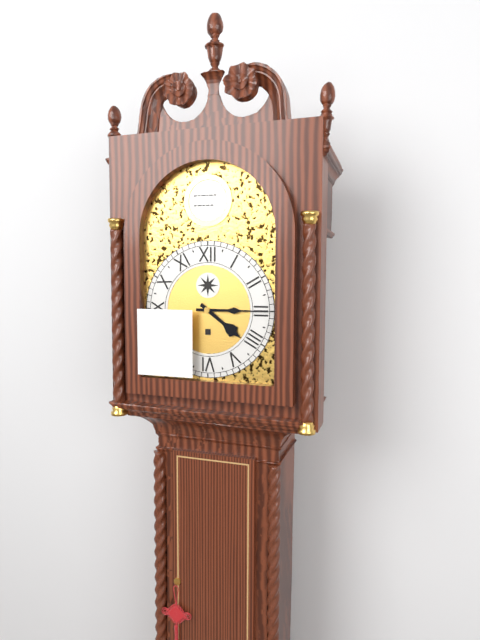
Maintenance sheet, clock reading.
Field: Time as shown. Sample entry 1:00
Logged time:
4:15
